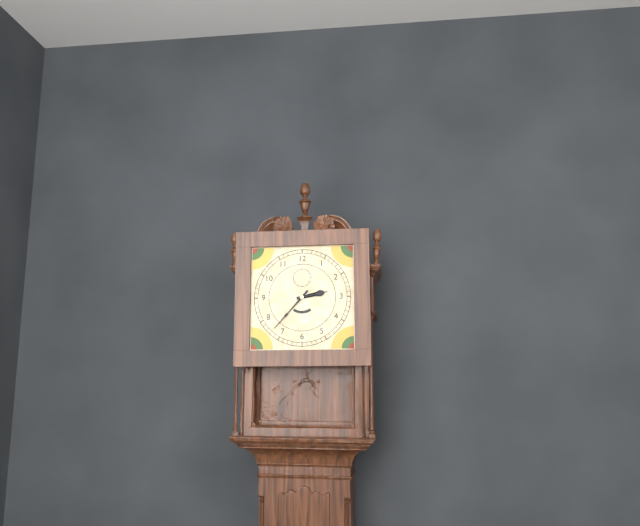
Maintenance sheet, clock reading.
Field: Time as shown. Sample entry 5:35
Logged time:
2:37
